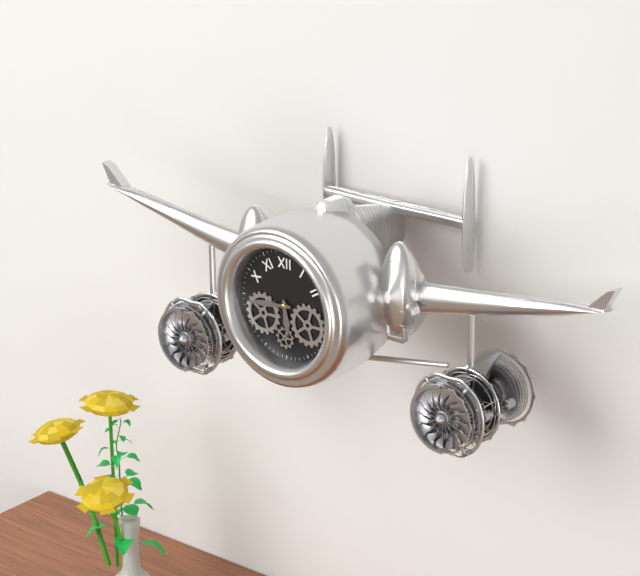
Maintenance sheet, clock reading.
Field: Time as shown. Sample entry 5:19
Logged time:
5:44
